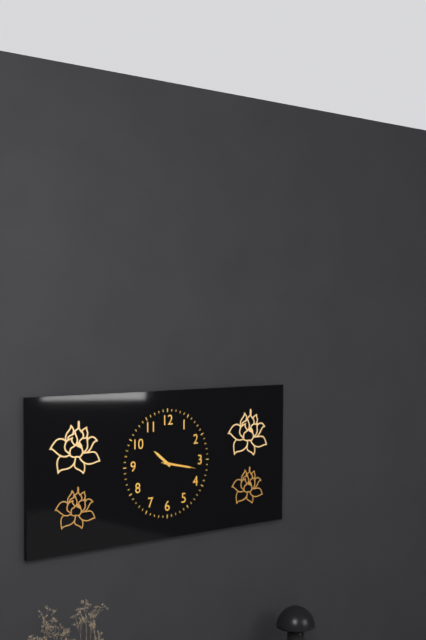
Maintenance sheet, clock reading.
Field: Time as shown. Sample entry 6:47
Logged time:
10:17
